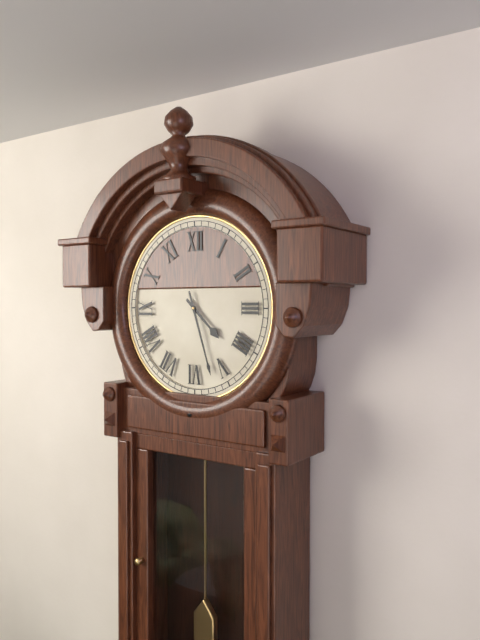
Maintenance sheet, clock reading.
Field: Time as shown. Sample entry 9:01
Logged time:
4:27
